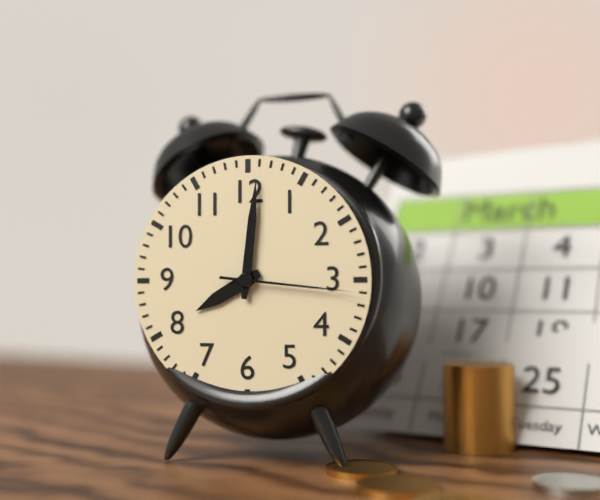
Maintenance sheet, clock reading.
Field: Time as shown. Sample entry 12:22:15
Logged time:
8:01:16
